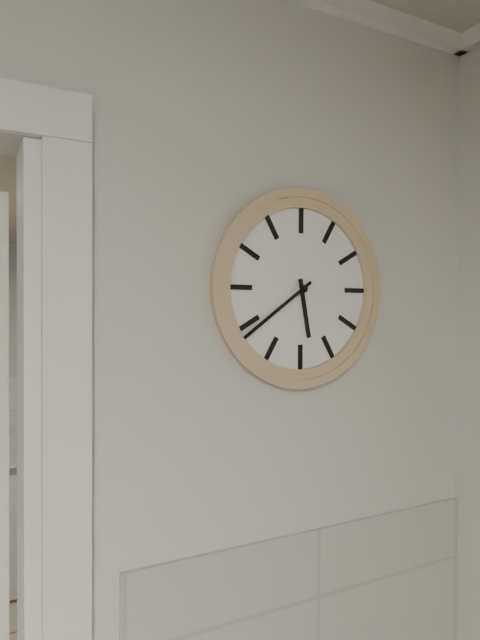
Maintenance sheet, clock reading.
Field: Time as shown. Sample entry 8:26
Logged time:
5:39
